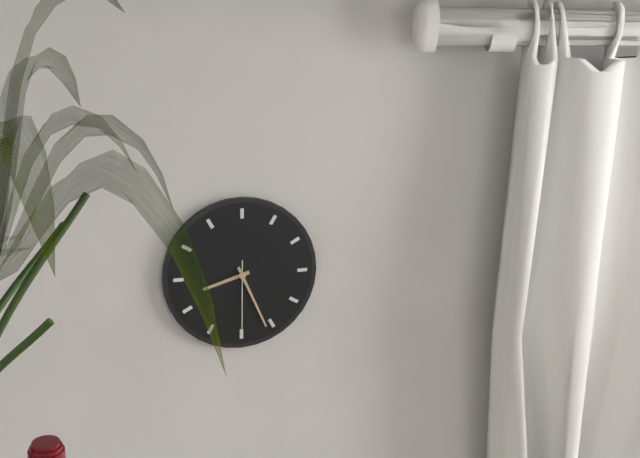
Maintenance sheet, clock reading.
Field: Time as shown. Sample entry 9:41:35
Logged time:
8:26:30
